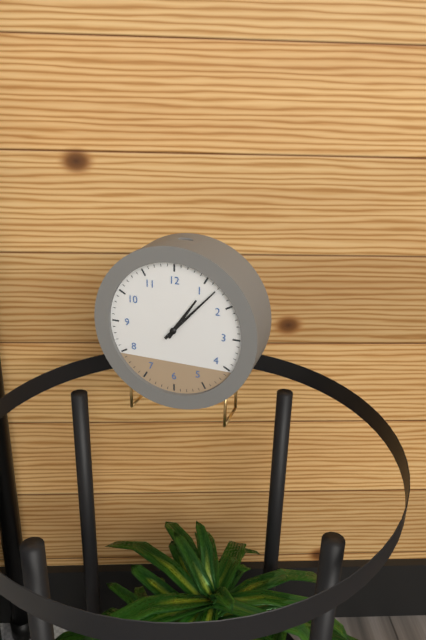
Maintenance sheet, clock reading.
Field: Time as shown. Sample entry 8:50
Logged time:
1:07
